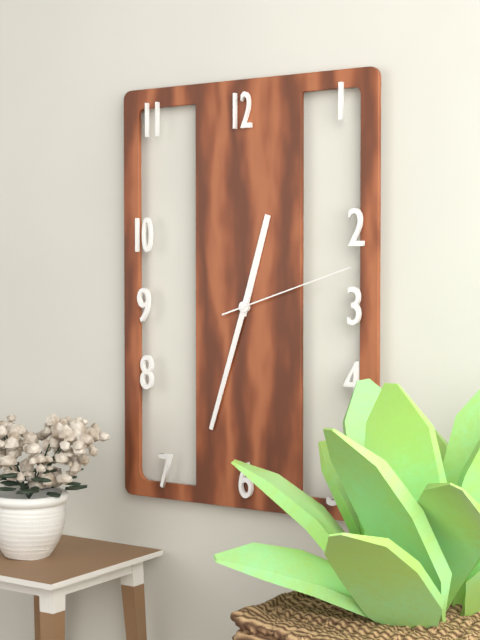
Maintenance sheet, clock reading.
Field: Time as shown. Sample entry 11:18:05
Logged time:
12:33:12
